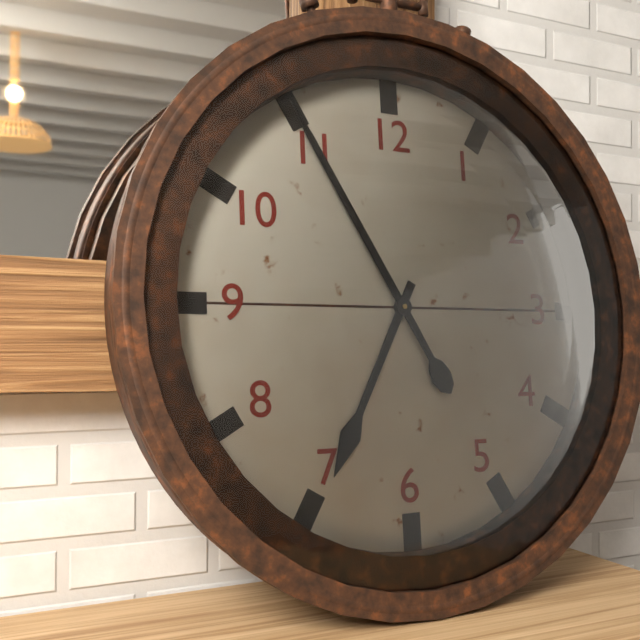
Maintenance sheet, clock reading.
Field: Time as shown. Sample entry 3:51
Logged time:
6:55
